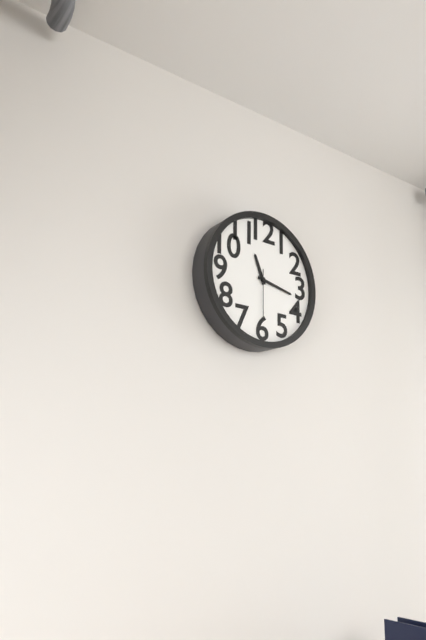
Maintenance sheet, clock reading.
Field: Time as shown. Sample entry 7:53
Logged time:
11:17
